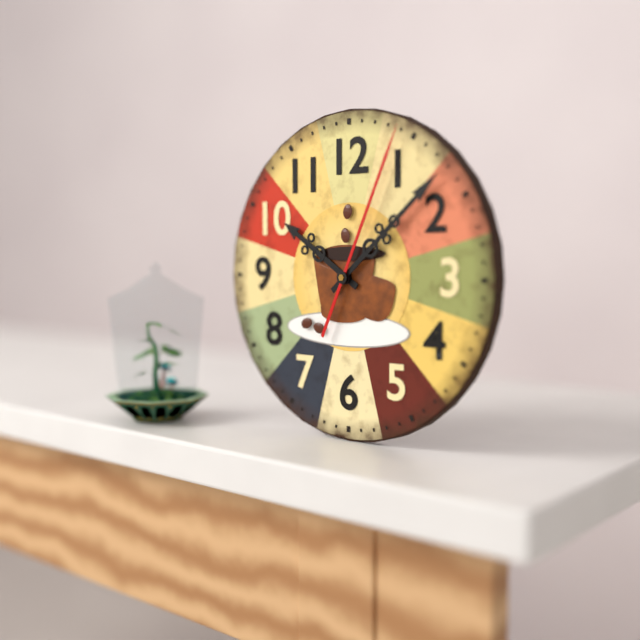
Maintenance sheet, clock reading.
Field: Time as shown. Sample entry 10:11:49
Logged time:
10:08:04
